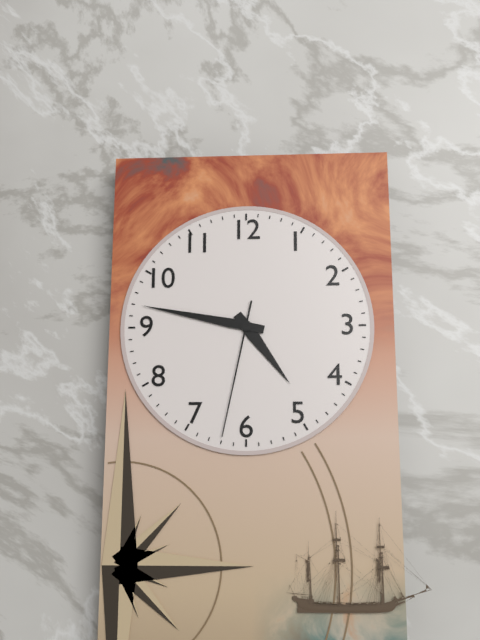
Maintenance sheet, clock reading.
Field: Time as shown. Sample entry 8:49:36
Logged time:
4:47:32
